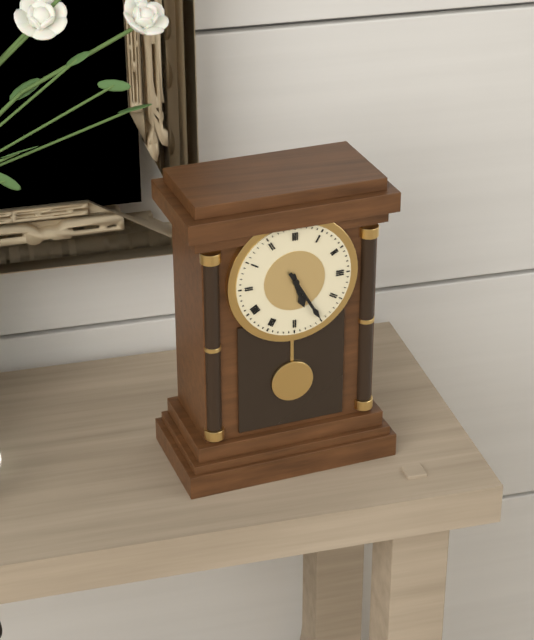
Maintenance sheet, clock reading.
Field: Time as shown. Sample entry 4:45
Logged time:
5:25
